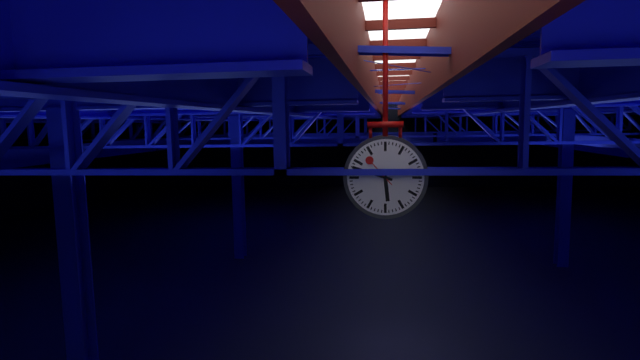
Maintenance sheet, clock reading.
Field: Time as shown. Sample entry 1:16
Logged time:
5:48
